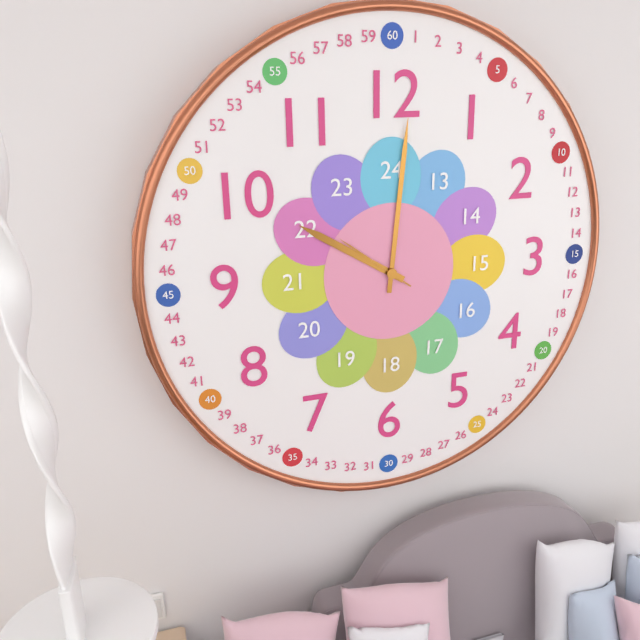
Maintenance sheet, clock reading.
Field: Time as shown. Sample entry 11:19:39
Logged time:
10:01:51
